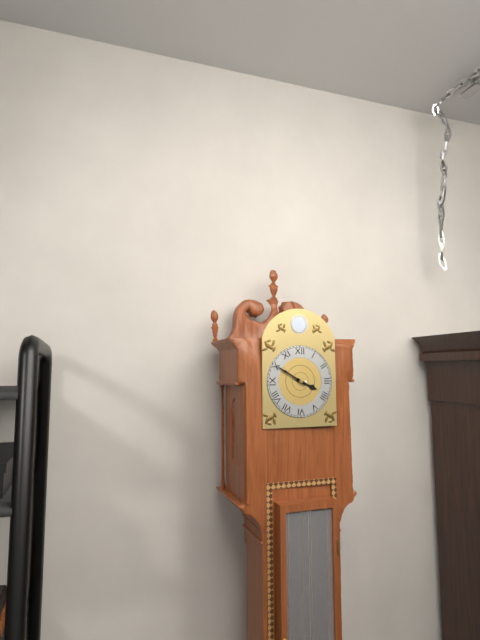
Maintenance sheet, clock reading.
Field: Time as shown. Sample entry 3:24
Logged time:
3:50
